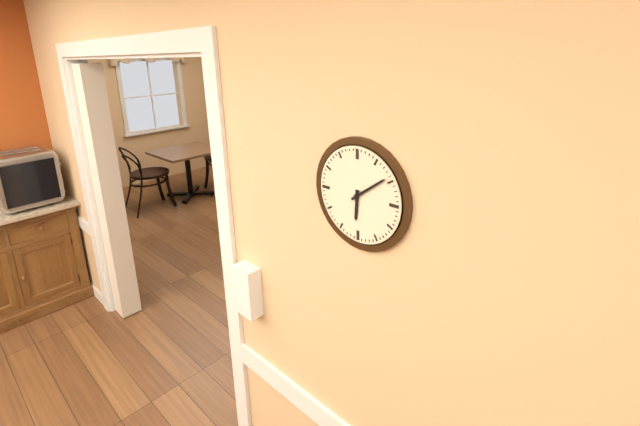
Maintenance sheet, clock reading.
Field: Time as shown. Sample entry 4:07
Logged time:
6:09
